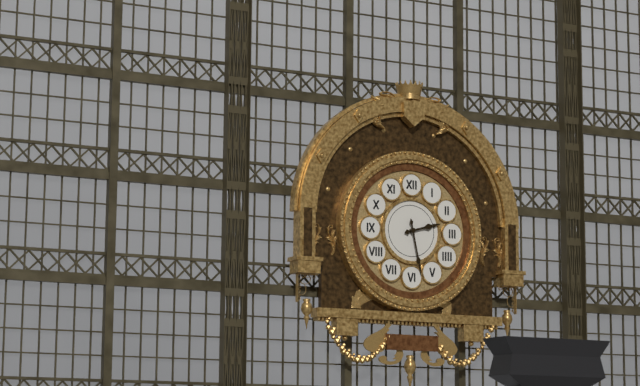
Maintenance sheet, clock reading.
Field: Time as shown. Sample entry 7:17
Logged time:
2:28
